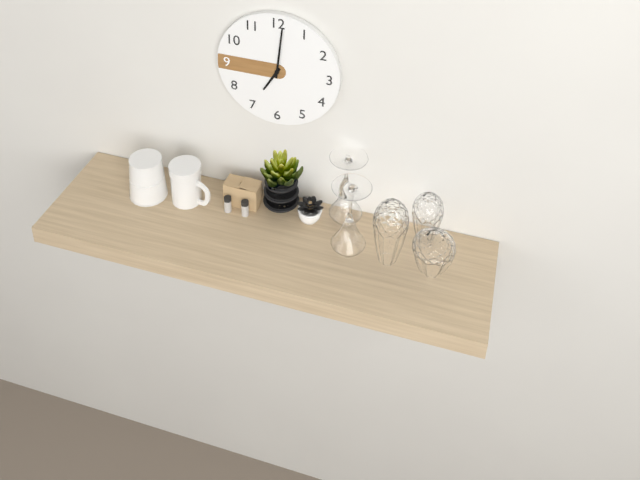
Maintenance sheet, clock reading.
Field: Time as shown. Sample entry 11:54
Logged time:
7:01
